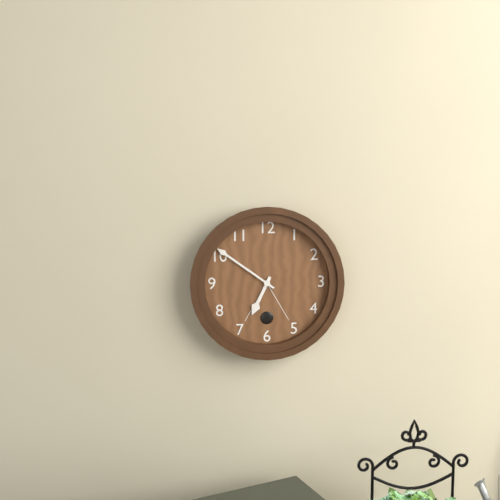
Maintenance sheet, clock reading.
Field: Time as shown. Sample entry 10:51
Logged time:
6:51
